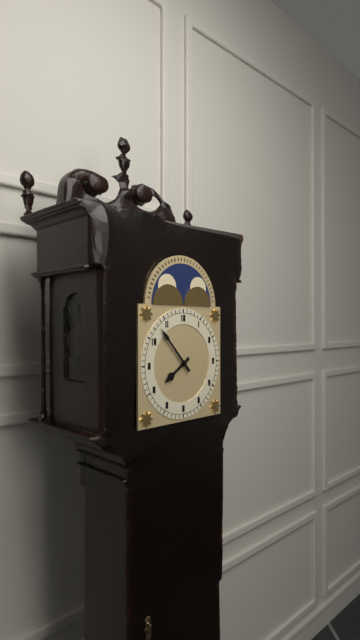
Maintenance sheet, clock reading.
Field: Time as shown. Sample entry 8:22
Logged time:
7:53
